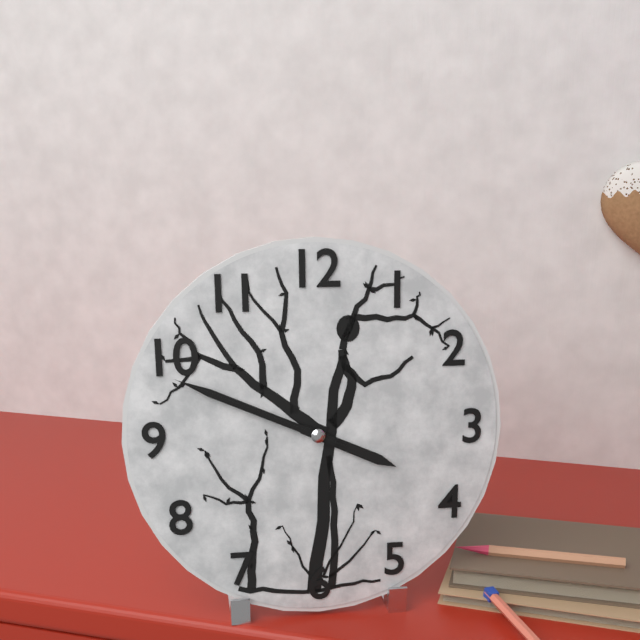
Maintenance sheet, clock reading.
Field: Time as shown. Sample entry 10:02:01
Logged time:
3:49:49
